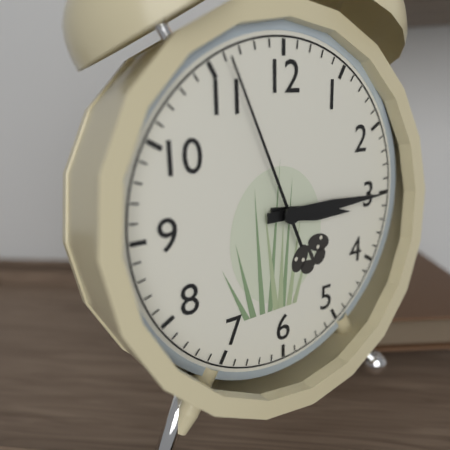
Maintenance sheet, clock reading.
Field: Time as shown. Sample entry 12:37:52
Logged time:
3:15:56
